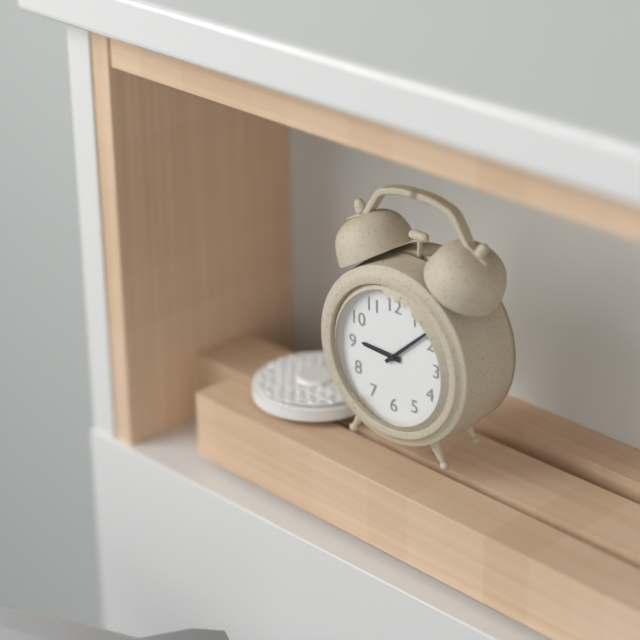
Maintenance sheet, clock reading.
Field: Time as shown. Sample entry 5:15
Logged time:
9:08
